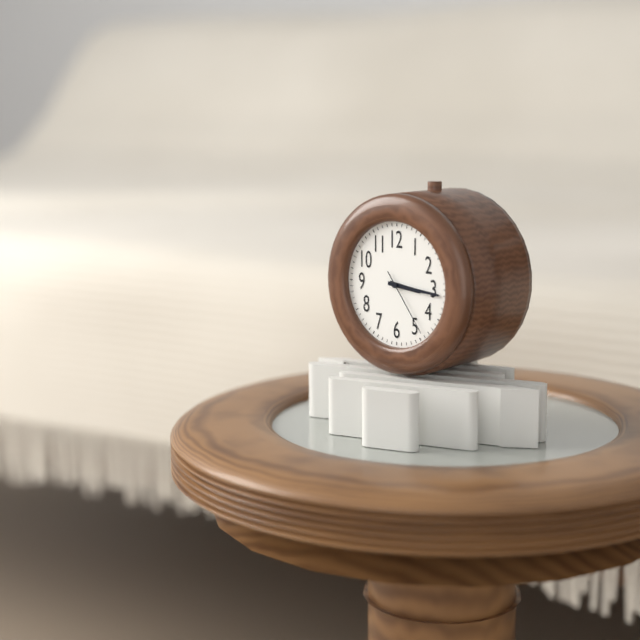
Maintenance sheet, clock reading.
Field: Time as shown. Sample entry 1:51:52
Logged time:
3:16:24
